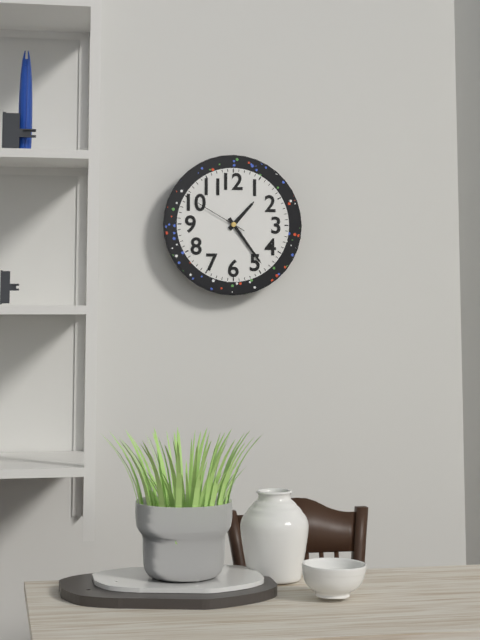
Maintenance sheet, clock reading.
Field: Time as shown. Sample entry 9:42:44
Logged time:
1:24:50
